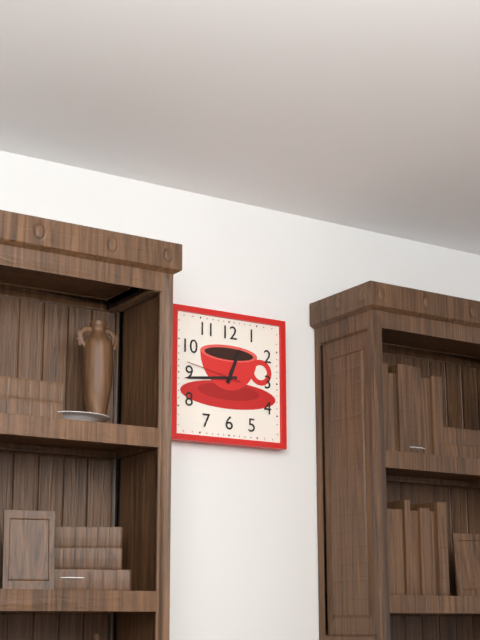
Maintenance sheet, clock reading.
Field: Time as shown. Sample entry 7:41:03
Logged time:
12:44:47
